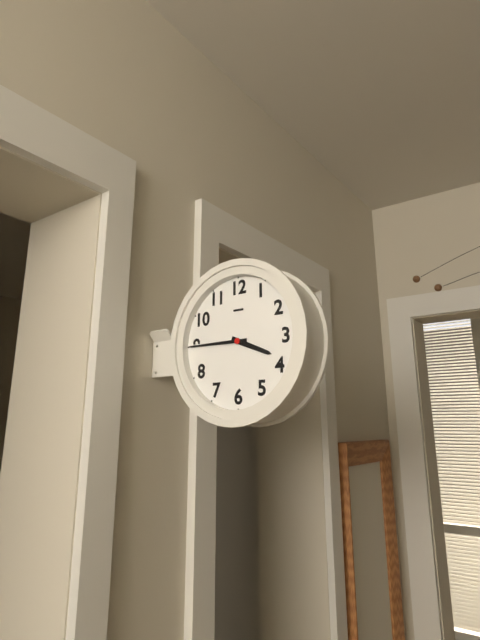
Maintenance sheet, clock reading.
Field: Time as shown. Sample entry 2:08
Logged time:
3:45
